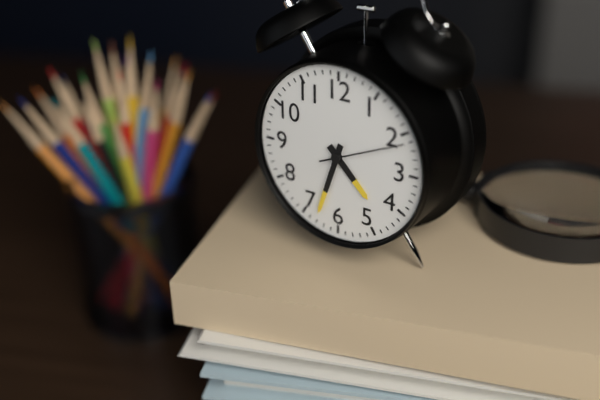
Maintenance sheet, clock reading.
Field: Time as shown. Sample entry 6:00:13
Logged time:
4:33:11
